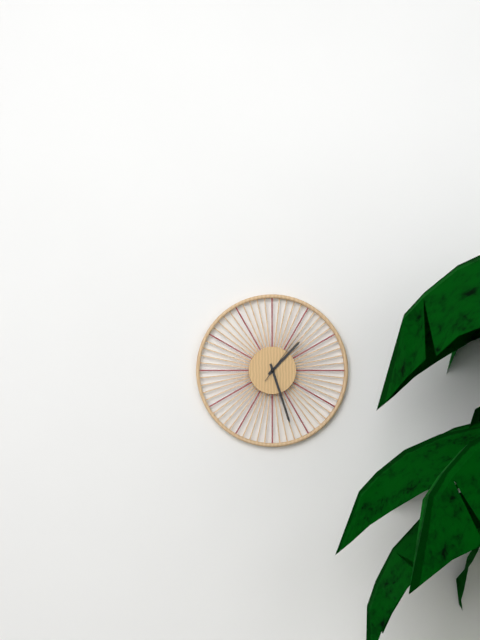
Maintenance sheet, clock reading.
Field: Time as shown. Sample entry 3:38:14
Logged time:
1:27:06
